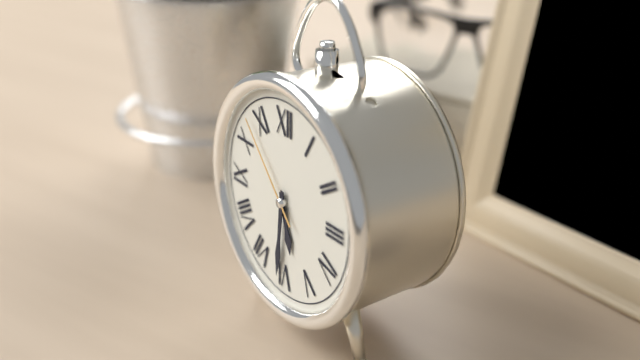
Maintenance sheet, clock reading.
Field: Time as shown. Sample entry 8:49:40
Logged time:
5:31:53
